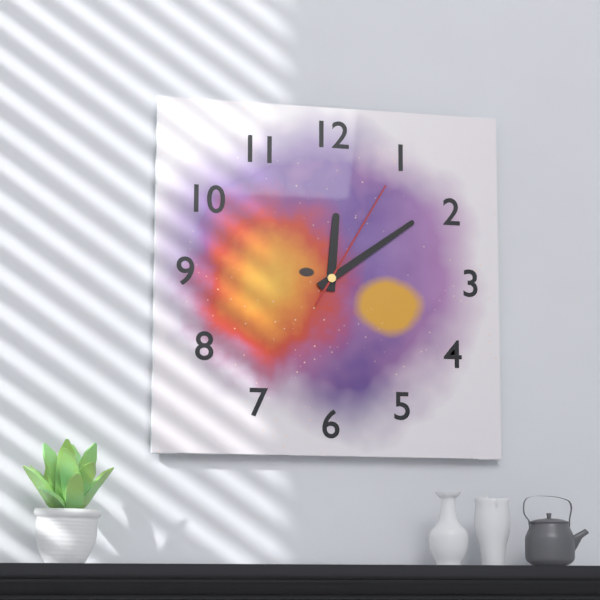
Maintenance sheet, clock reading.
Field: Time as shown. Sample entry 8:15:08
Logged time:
12:09:05
